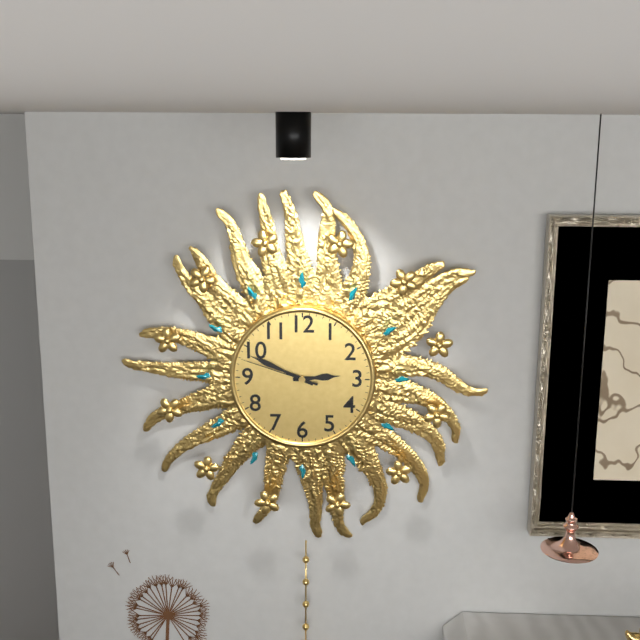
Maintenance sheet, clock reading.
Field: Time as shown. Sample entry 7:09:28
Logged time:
2:49:48
